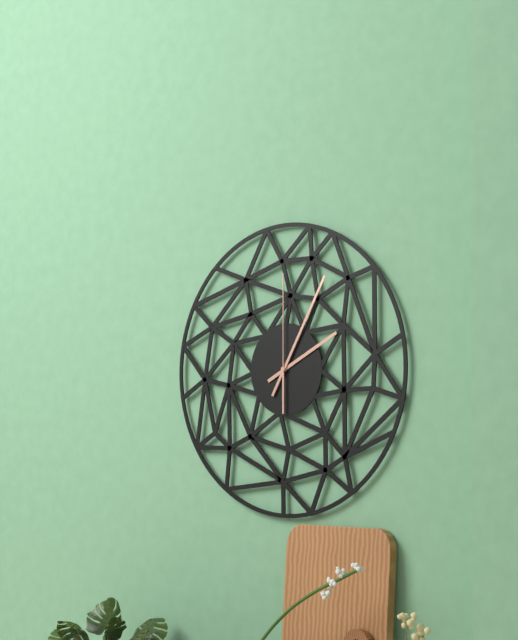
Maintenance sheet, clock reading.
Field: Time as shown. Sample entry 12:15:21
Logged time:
2:05:00
